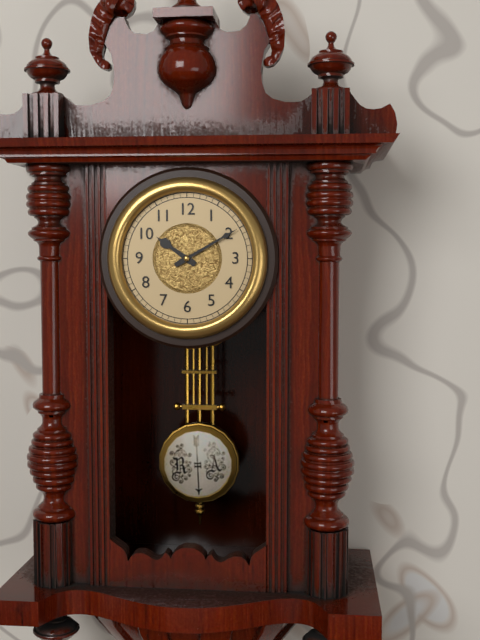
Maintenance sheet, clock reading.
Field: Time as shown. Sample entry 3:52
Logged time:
10:10
